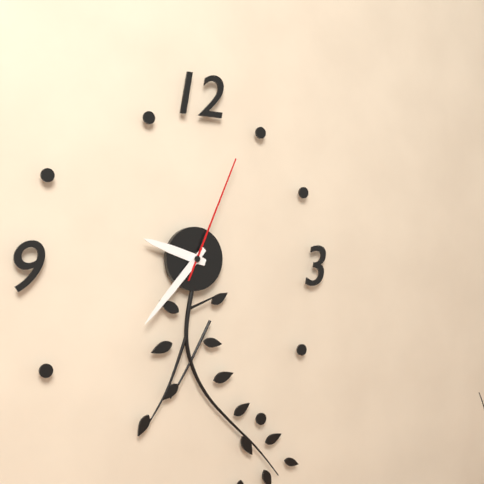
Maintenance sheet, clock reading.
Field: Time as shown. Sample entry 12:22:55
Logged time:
9:37:04
